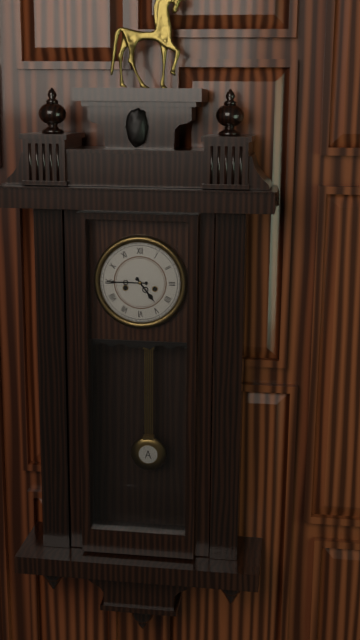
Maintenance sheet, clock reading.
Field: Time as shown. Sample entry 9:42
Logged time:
4:45
